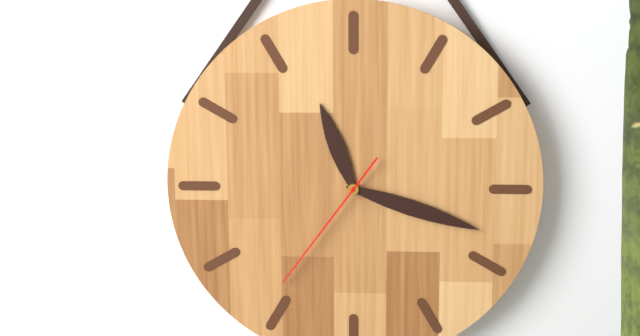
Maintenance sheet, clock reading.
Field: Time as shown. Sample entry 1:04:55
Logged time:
11:18:36
